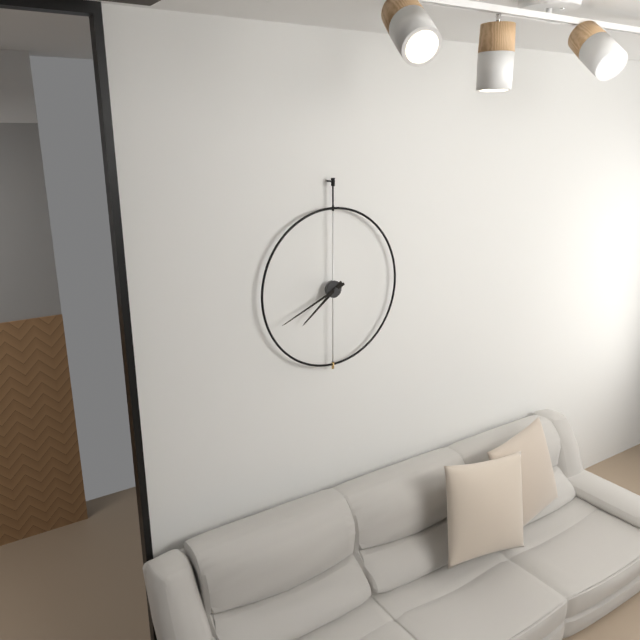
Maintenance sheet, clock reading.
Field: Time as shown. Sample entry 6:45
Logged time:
7:41
